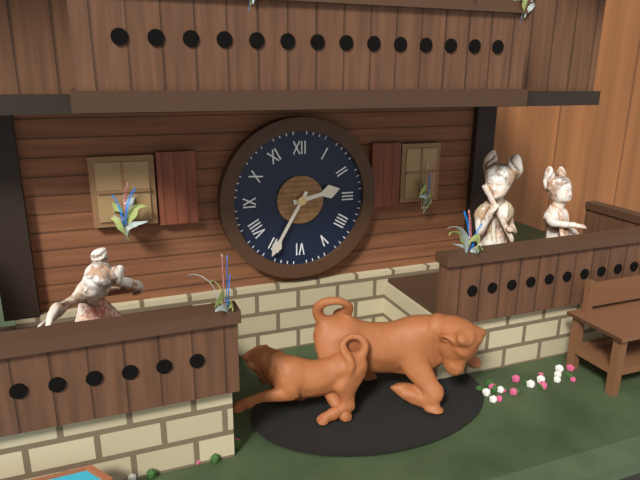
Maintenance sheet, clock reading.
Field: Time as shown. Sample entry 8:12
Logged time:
2:35
